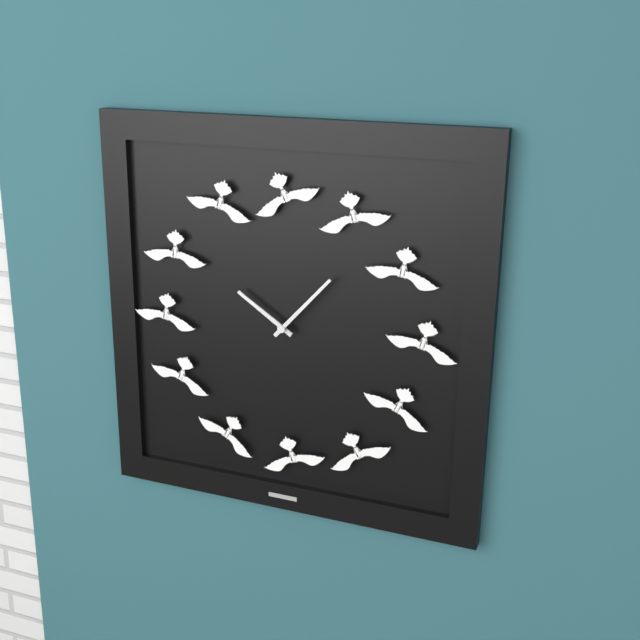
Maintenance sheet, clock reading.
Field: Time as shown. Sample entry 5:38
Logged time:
10:07
